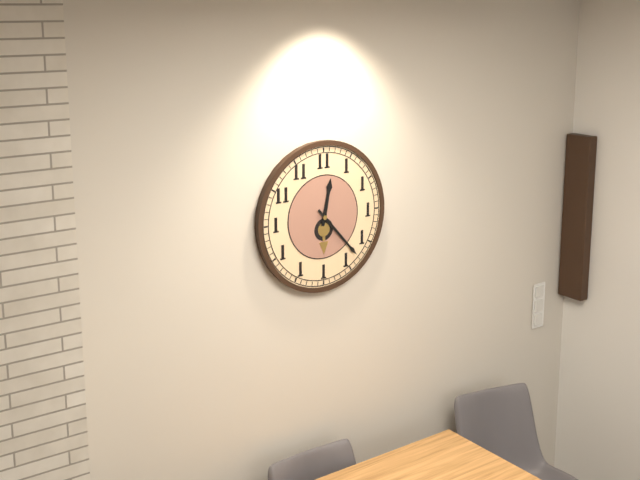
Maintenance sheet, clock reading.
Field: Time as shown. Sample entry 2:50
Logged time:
12:23
